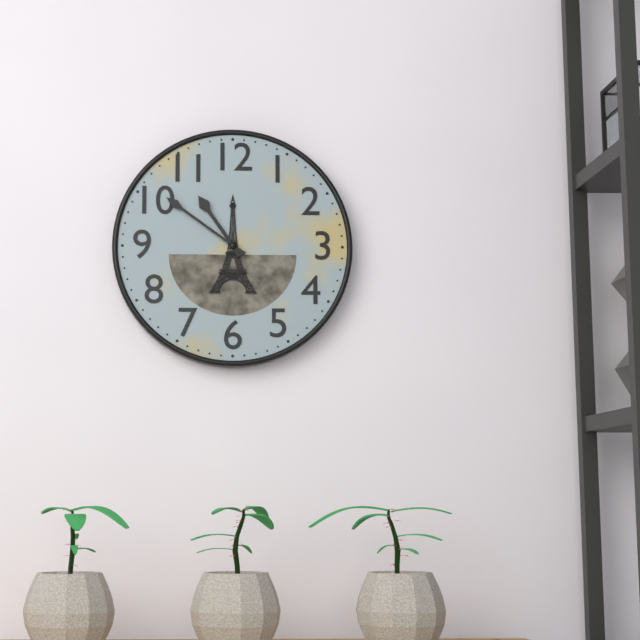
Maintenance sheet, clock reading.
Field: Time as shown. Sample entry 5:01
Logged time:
10:51
